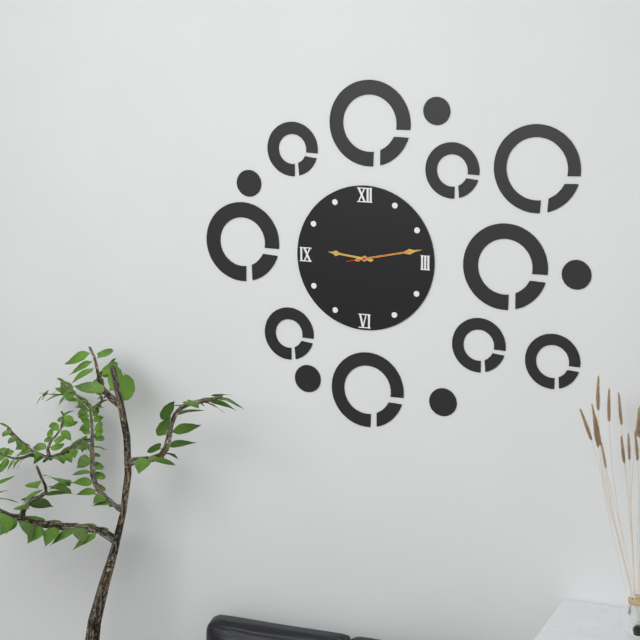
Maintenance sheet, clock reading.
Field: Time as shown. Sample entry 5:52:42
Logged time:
9:13:13
